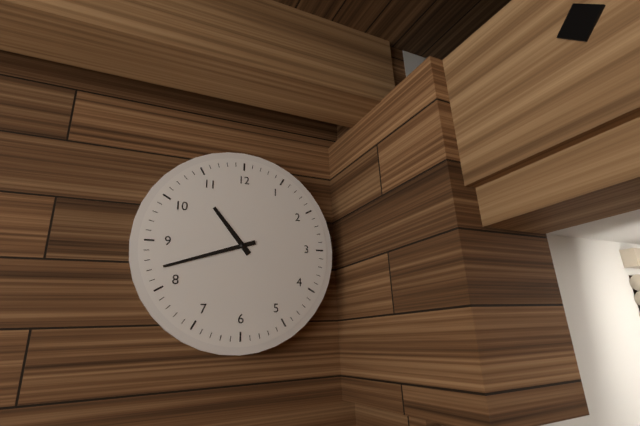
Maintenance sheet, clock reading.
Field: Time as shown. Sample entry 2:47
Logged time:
10:42
